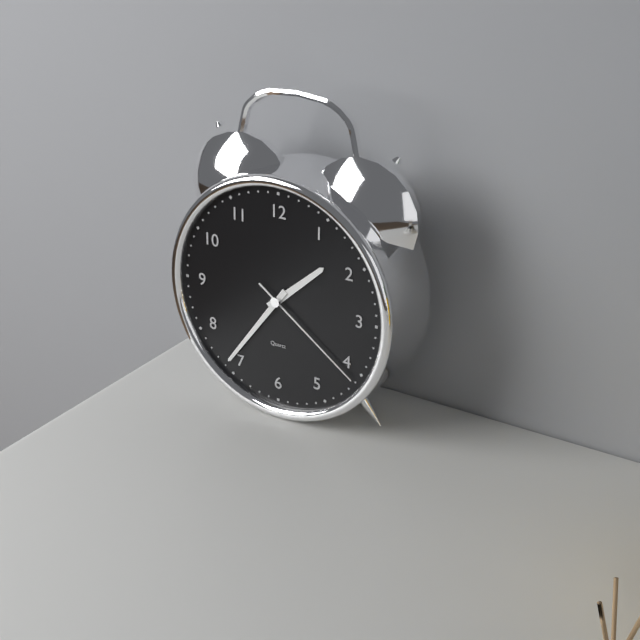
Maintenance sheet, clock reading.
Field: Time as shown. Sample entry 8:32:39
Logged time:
1:36:21
